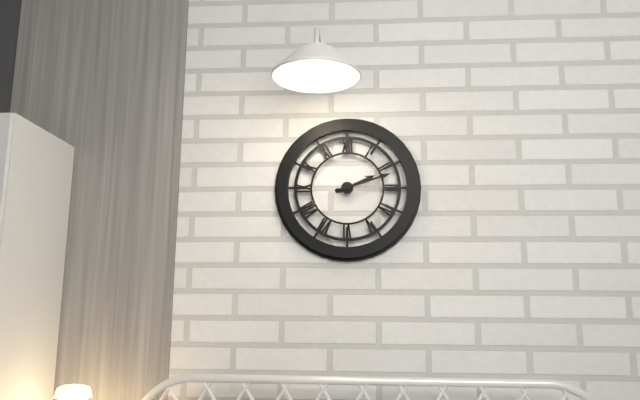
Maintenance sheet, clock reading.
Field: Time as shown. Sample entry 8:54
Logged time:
2:12
